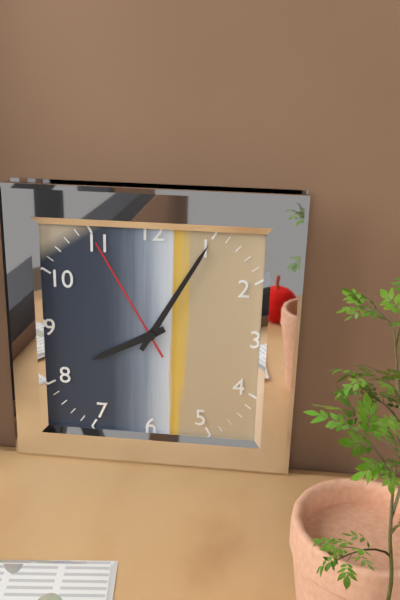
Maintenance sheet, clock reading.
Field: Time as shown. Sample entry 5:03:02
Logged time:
8:05:55
